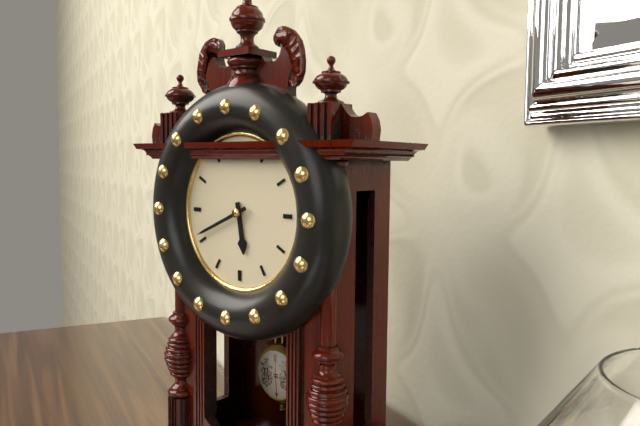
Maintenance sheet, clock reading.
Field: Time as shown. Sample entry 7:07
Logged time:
5:41
